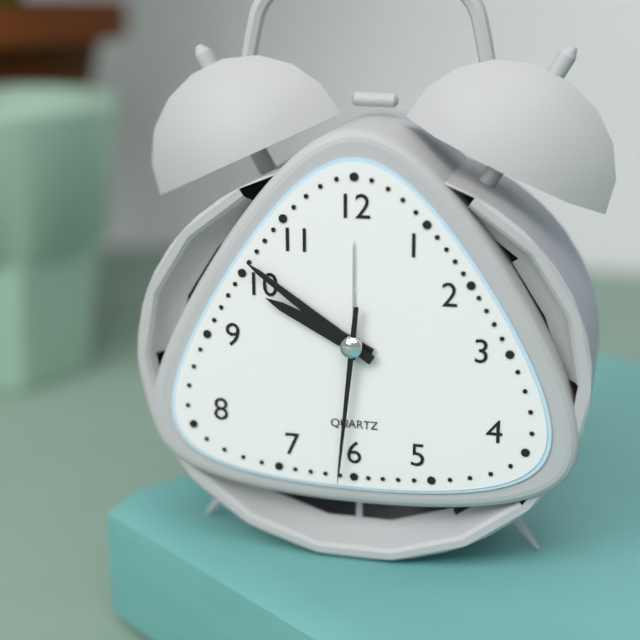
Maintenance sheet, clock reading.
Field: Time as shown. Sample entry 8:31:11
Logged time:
9:51:31
